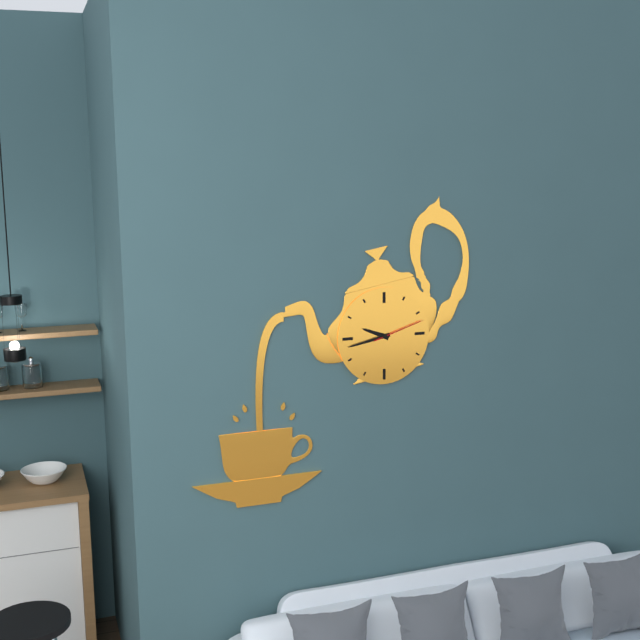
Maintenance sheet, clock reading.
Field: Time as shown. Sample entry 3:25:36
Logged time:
9:43:12
